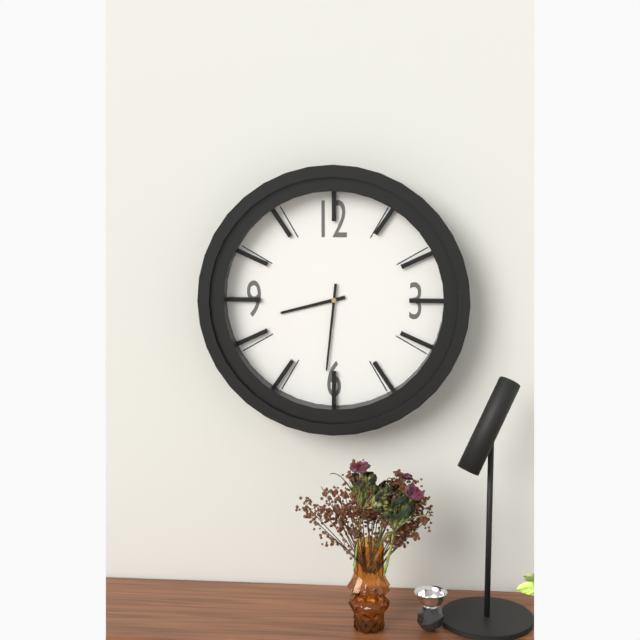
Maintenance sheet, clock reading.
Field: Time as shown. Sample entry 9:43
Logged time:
8:31
